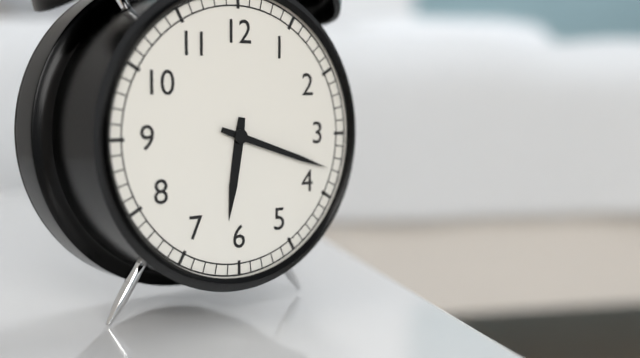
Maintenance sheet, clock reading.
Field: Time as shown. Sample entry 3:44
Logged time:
6:18
